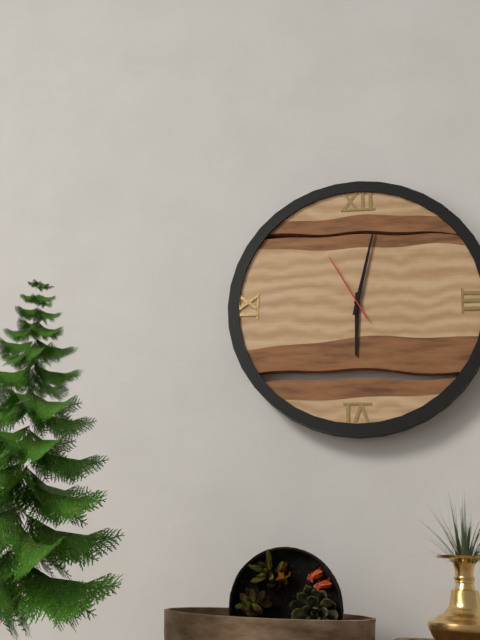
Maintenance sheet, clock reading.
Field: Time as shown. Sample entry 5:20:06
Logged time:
6:02:55
